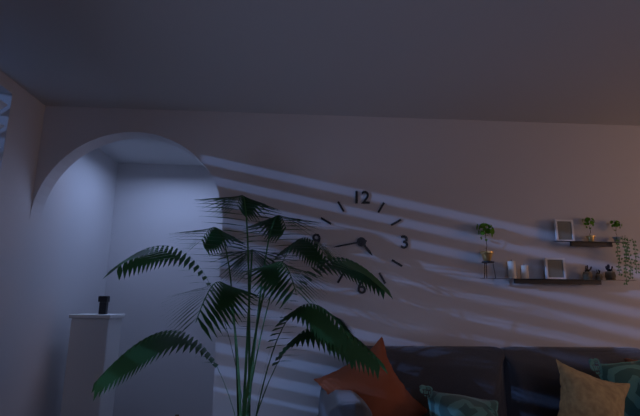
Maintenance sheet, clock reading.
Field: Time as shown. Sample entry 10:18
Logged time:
4:43
